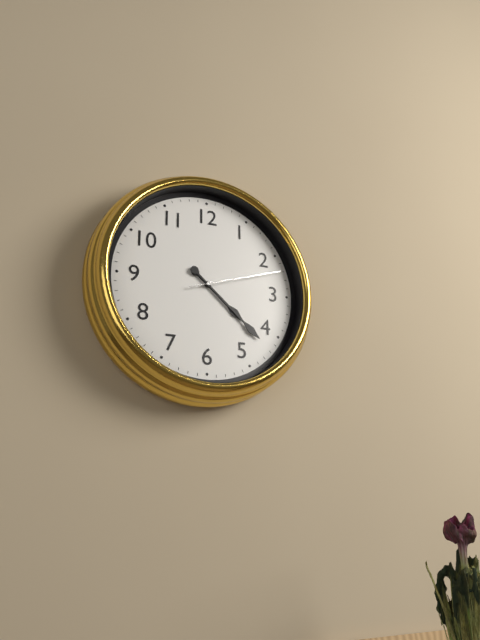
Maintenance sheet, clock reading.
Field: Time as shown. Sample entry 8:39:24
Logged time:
4:22:12
